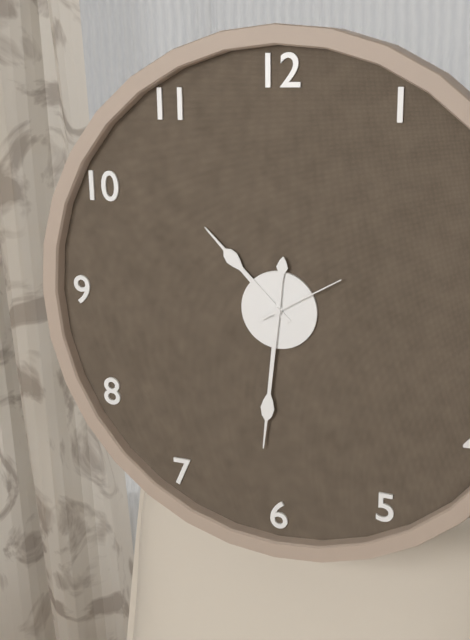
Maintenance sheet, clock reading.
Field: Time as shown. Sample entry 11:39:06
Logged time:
10:31:10
